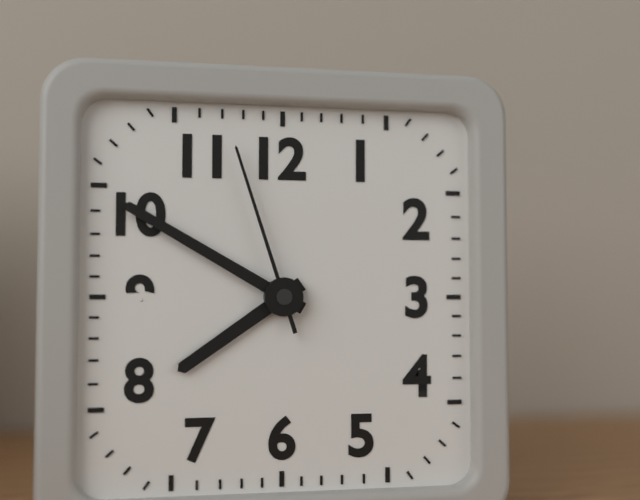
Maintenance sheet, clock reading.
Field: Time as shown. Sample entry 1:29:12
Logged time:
7:50:57
